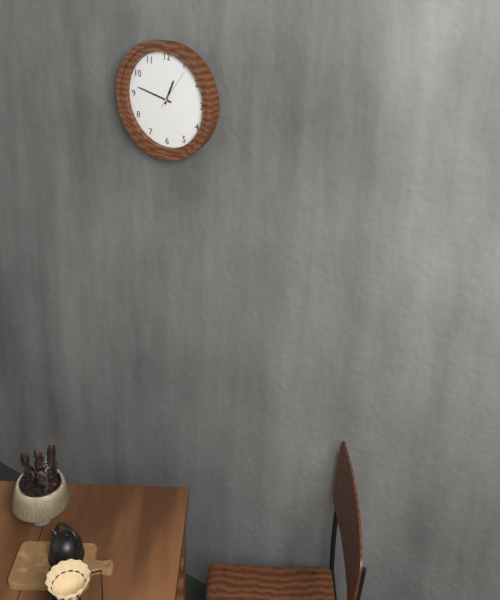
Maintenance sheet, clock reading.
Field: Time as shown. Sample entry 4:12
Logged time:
12:47
